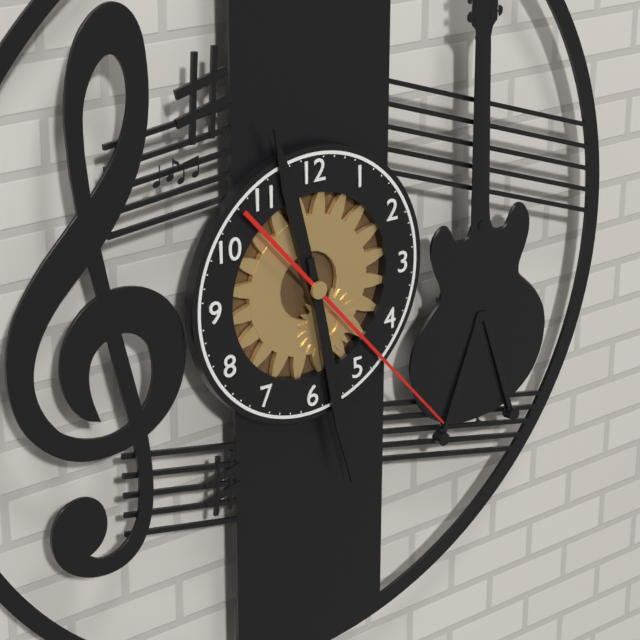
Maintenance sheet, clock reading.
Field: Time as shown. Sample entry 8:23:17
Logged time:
11:28:23
